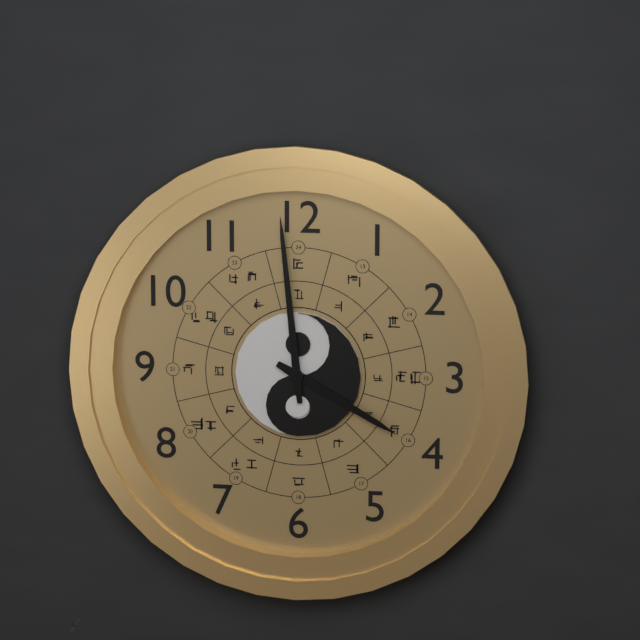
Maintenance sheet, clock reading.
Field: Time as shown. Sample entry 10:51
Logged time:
3:59
